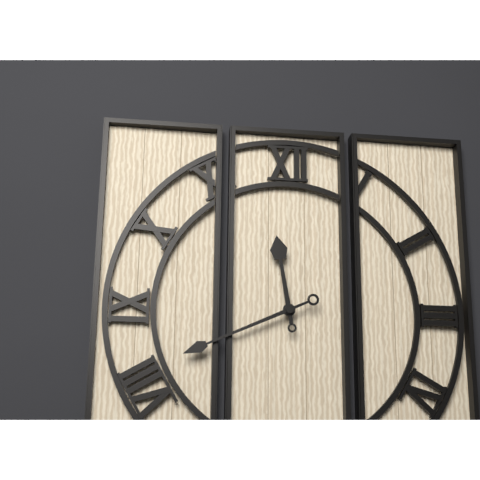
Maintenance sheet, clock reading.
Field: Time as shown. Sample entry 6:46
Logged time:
11:41
